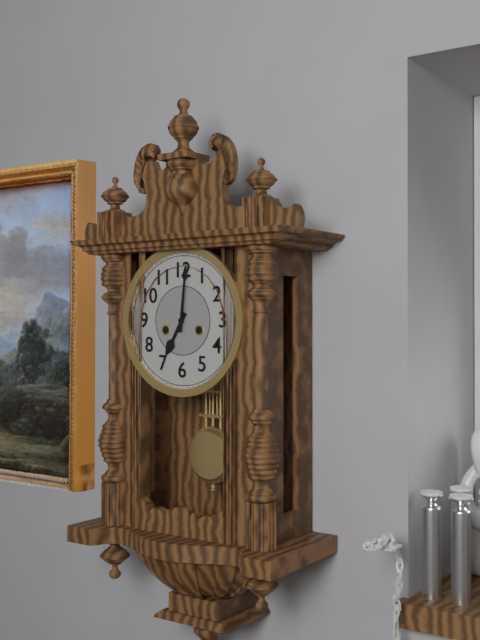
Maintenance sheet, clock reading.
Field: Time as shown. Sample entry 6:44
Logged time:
7:01
